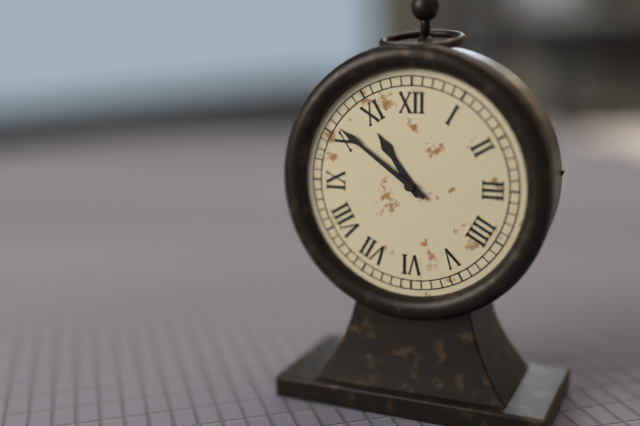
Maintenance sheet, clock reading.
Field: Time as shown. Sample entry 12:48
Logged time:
10:51
